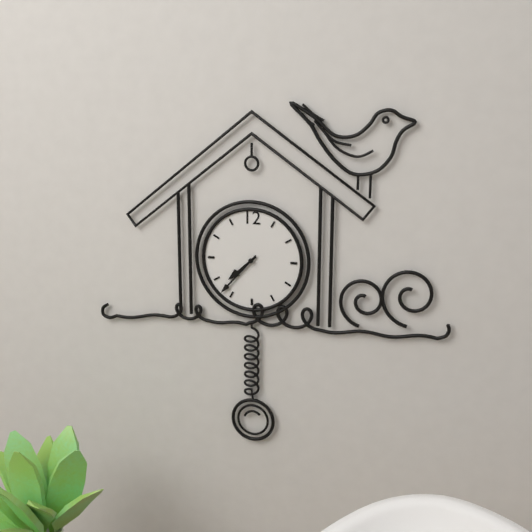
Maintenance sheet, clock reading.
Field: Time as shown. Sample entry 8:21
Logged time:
7:37
